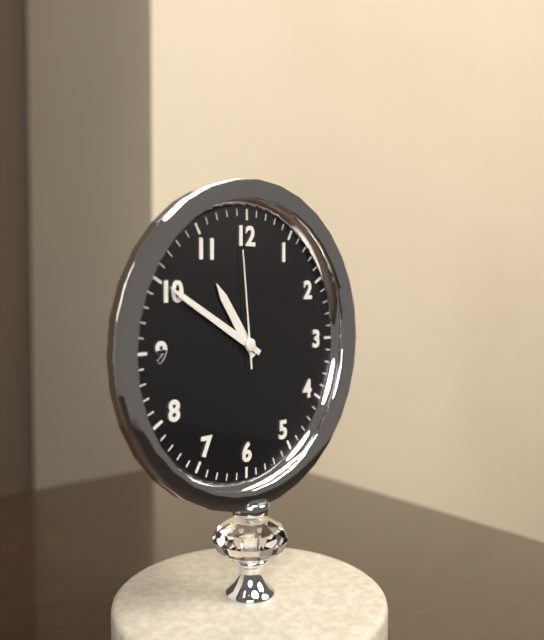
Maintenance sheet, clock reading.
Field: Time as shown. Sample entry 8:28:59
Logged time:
10:50:59
